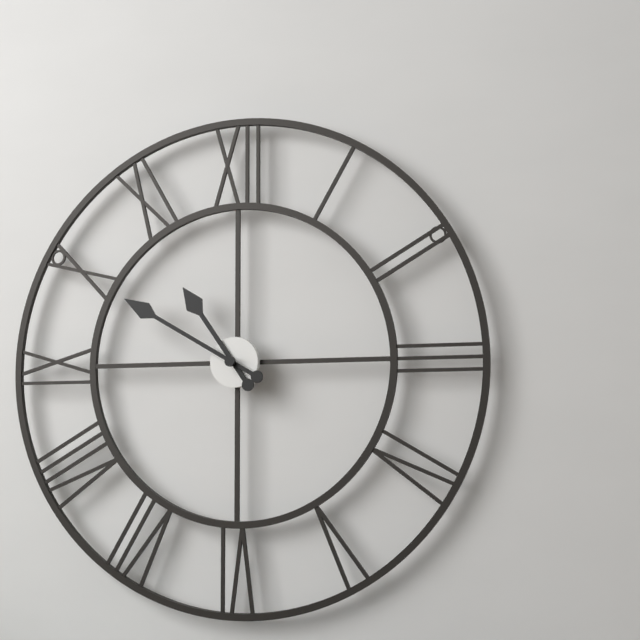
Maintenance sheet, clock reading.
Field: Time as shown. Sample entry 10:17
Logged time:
10:50
